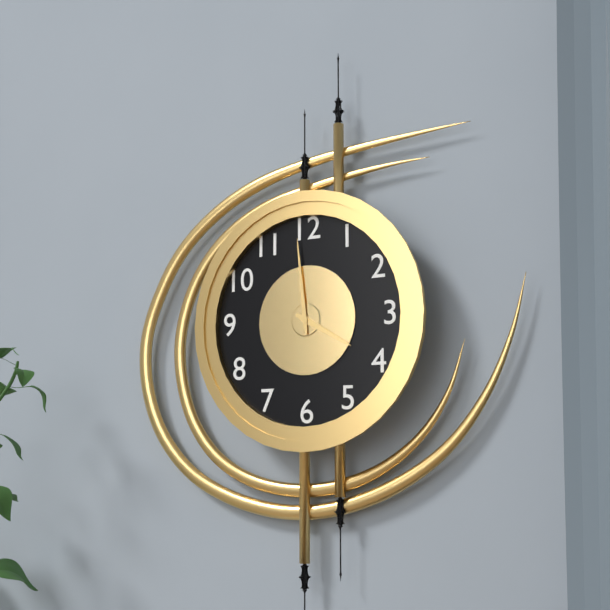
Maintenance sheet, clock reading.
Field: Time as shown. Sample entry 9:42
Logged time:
3:59
